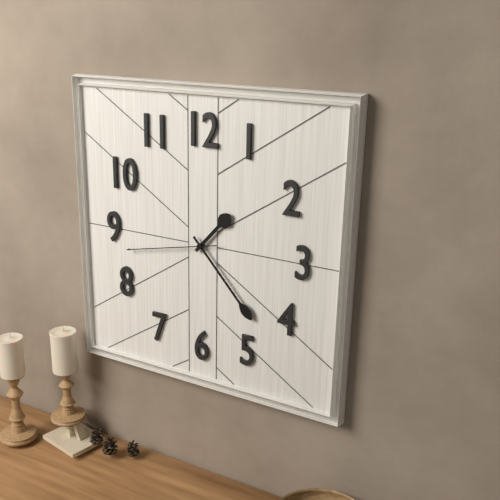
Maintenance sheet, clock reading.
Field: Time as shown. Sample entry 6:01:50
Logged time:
1:23:43
